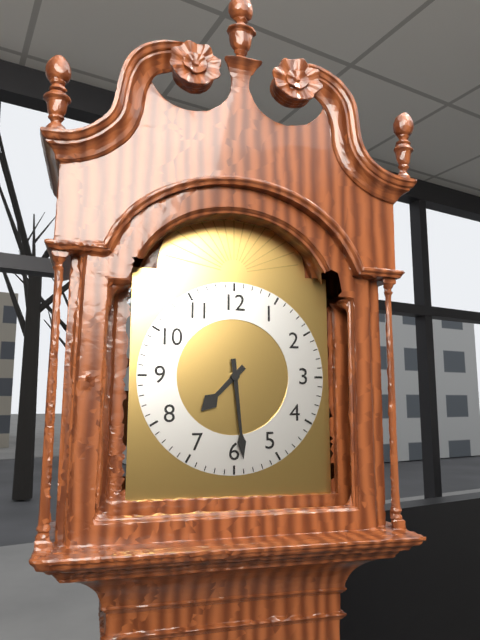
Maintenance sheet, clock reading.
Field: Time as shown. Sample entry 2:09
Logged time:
7:29
